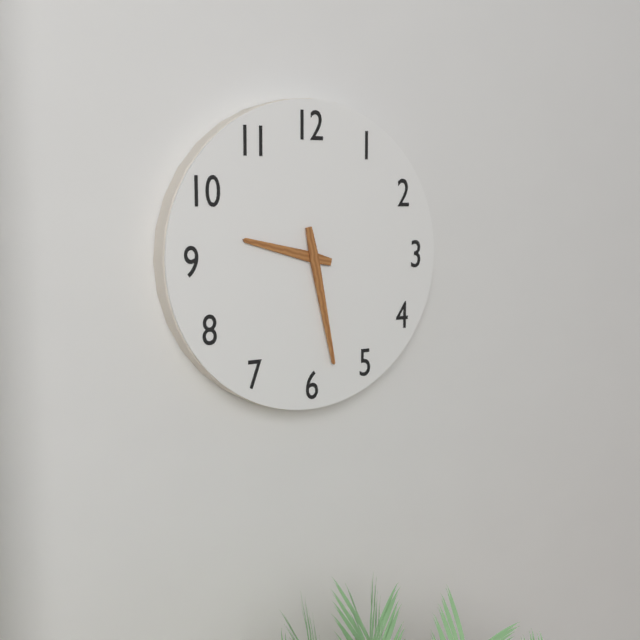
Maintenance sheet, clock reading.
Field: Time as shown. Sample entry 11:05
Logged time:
9:28
